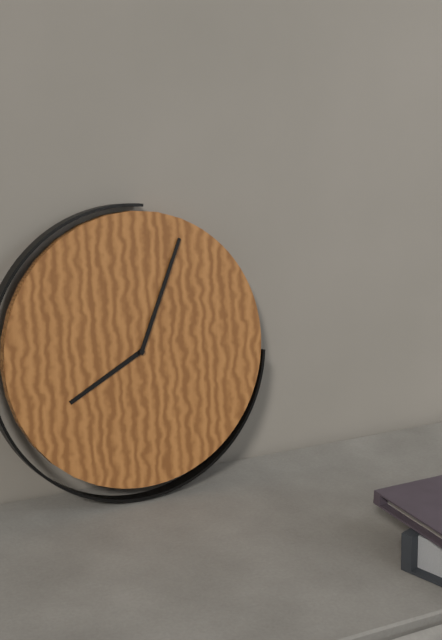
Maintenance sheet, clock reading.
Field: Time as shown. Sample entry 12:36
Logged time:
8:04
